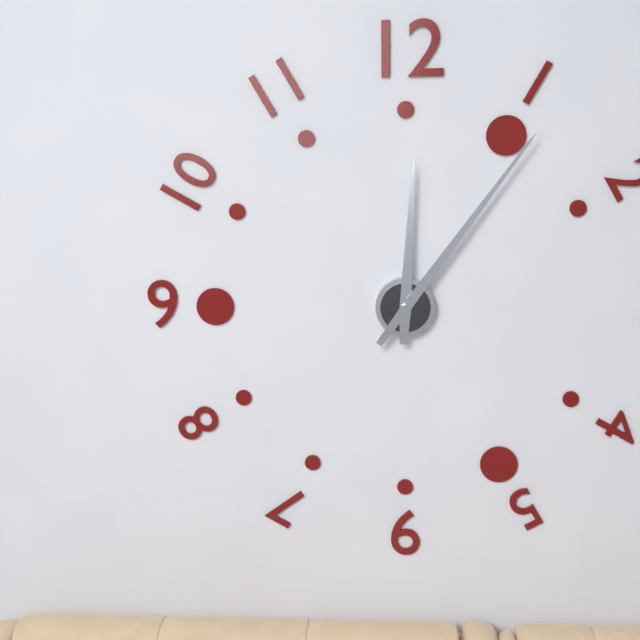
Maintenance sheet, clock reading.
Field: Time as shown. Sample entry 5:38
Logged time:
12:06
